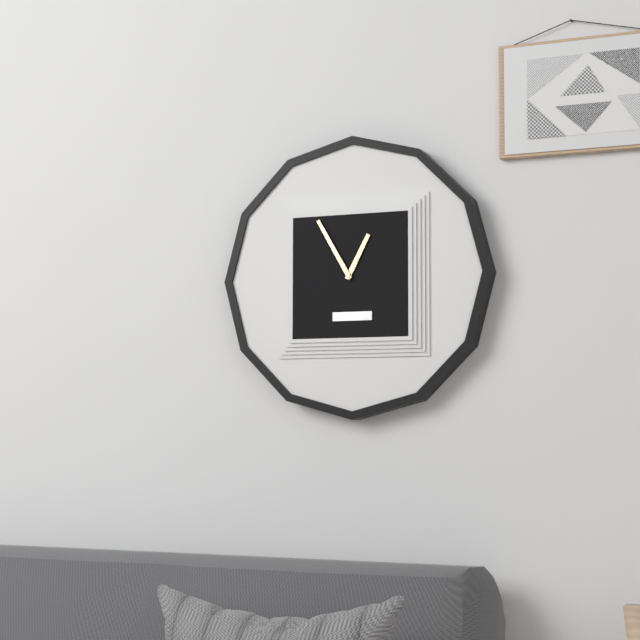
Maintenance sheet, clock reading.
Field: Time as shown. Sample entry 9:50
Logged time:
12:55
